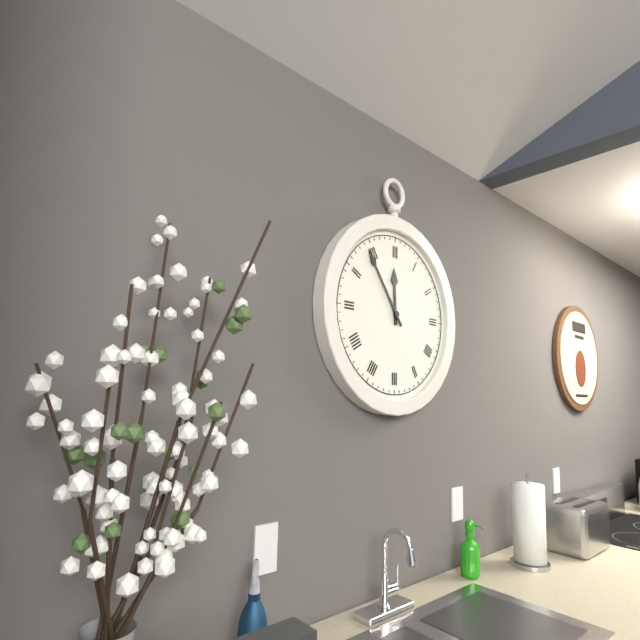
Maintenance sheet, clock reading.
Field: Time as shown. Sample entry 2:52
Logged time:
11:54
